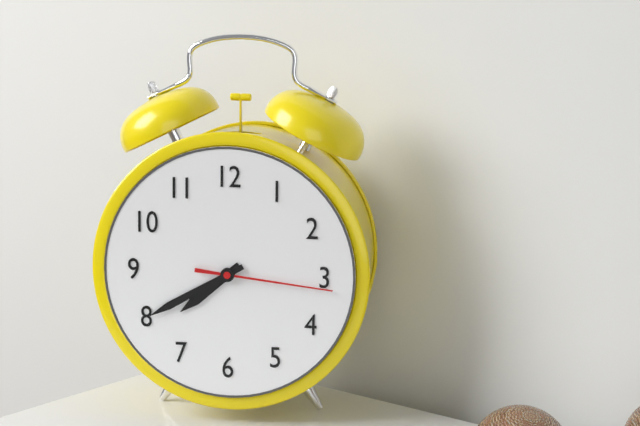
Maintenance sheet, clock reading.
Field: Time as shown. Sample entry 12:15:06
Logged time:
7:40:16
